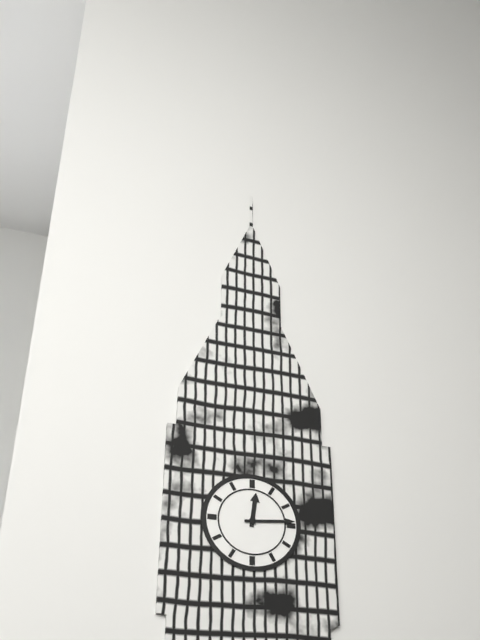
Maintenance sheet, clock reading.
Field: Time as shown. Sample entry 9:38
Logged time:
12:14
